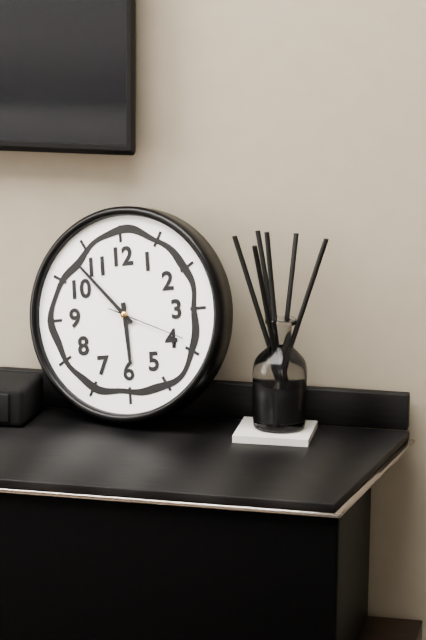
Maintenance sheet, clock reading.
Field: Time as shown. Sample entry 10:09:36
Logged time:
5:53:19
